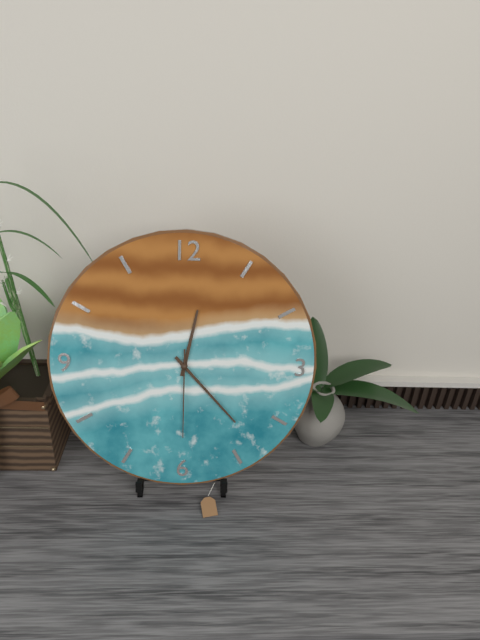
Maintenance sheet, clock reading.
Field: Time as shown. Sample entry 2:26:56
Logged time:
12:23:30
